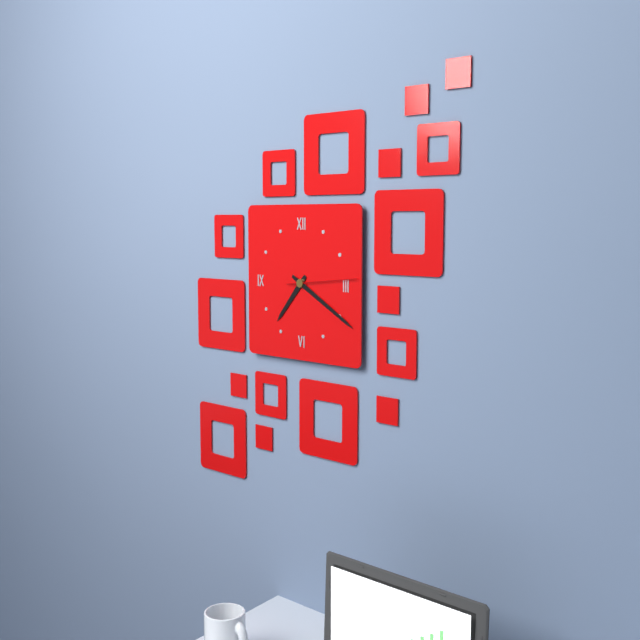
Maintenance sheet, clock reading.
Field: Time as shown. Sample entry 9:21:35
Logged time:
7:20:14
